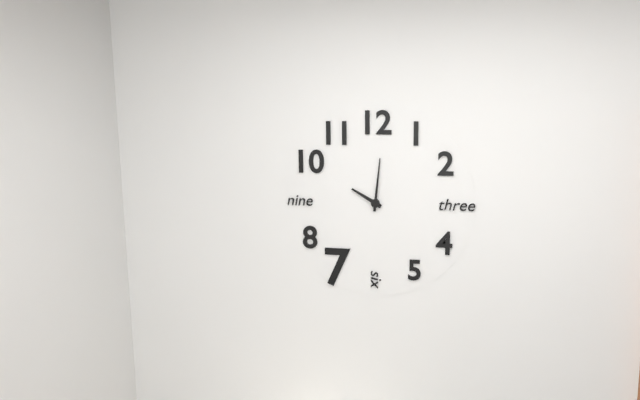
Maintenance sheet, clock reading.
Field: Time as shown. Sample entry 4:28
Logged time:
10:01
